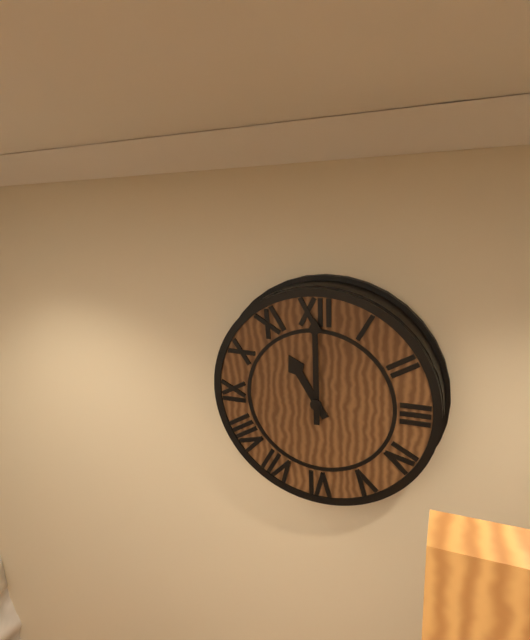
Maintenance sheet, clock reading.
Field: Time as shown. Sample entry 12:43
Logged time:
11:00
